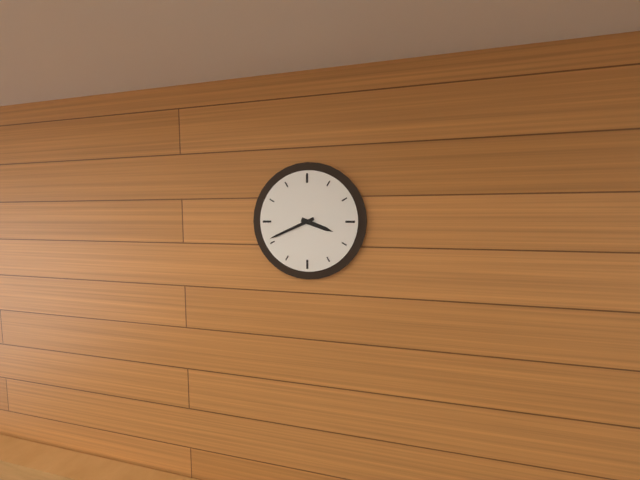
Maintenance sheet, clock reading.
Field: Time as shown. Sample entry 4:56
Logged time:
3:41
